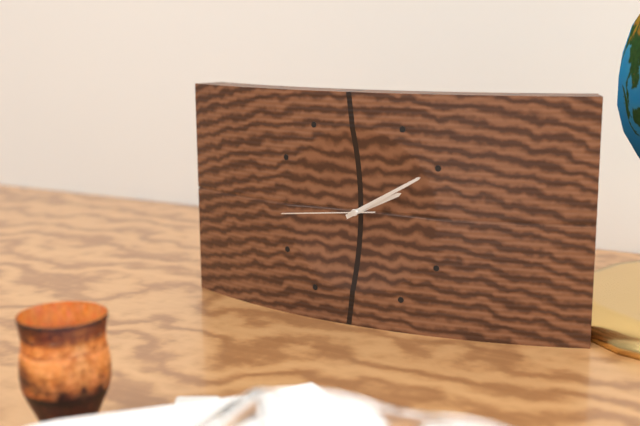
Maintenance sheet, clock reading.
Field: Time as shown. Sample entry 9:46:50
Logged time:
2:10:44
